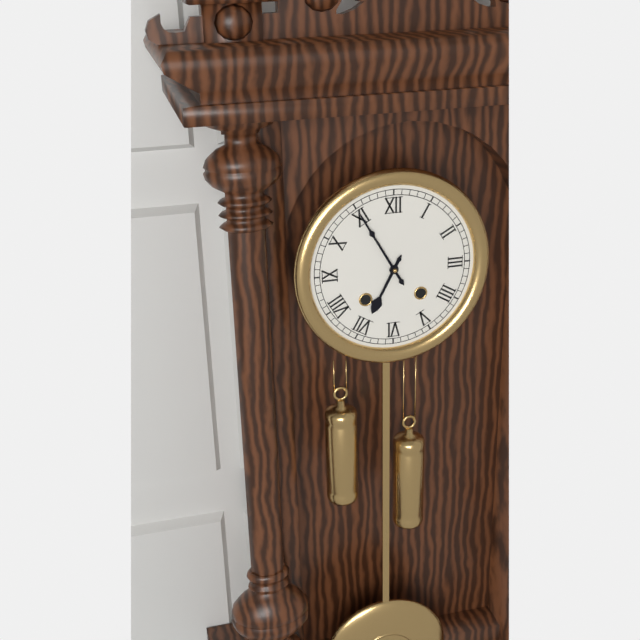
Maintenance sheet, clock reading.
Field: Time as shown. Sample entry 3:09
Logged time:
6:55
